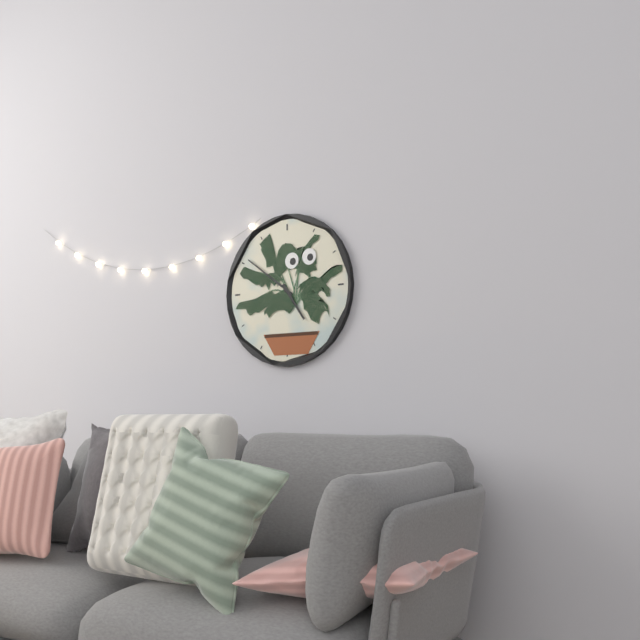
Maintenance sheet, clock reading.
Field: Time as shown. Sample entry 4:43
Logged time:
4:51
